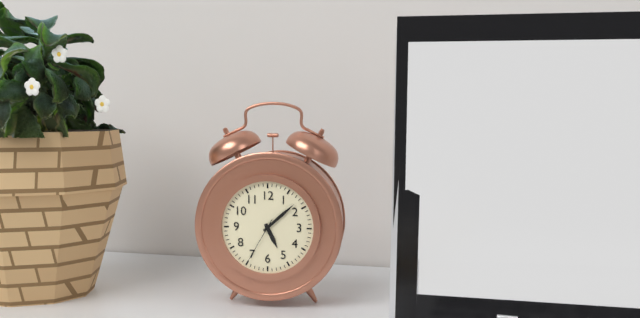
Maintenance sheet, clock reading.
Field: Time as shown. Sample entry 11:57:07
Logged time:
5:08:35
